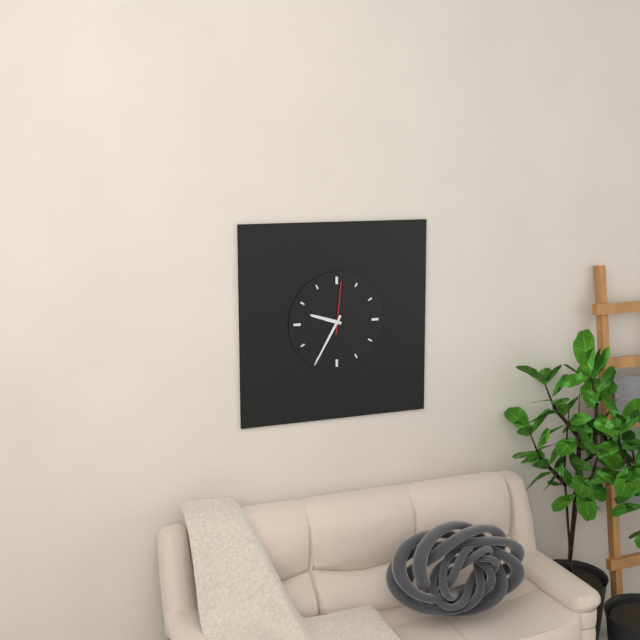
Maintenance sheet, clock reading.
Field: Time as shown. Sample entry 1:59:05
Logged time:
9:35:01
